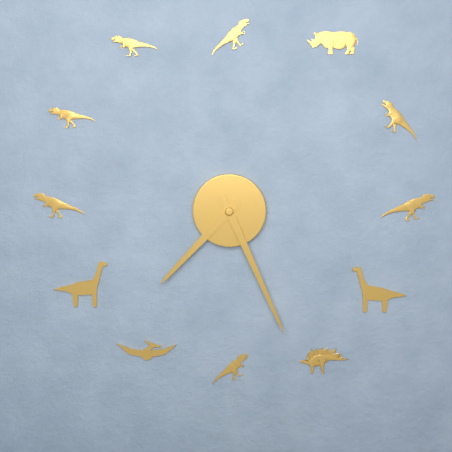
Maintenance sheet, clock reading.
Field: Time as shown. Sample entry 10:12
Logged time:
7:26
